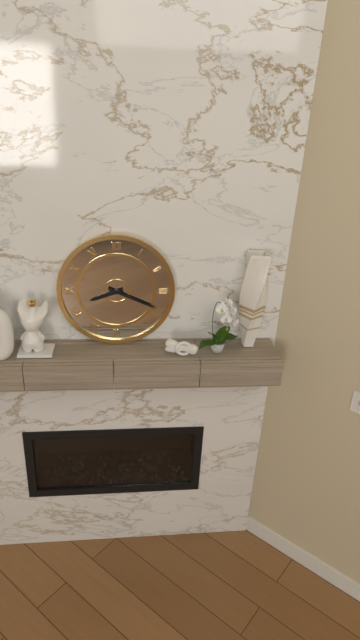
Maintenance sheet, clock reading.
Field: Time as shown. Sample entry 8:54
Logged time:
8:19
